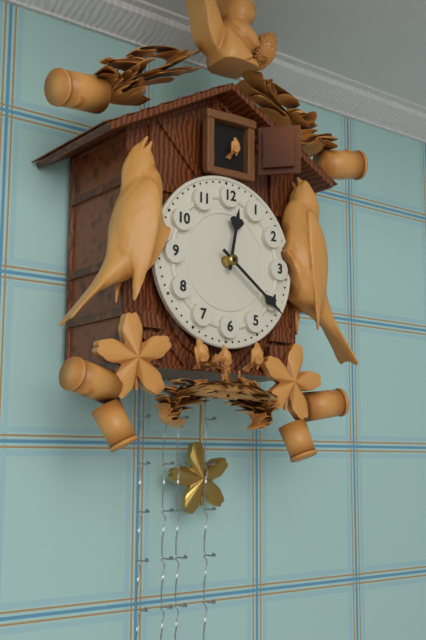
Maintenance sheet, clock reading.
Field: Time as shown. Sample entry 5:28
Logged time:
12:21
